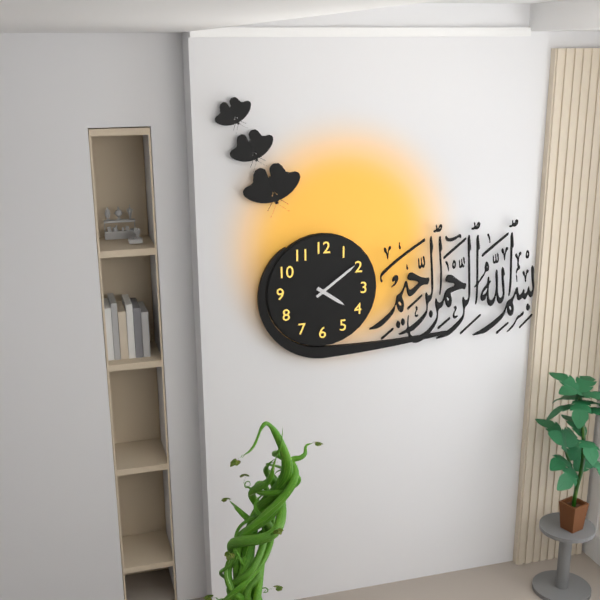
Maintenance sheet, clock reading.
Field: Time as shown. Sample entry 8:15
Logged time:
4:09
